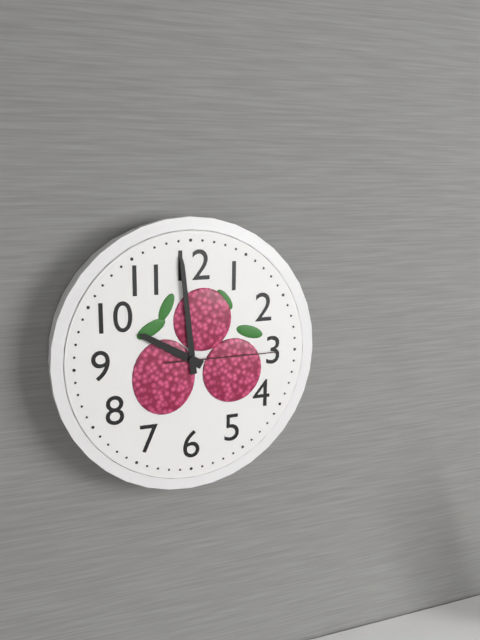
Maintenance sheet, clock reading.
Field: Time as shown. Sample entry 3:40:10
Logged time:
9:59:15
